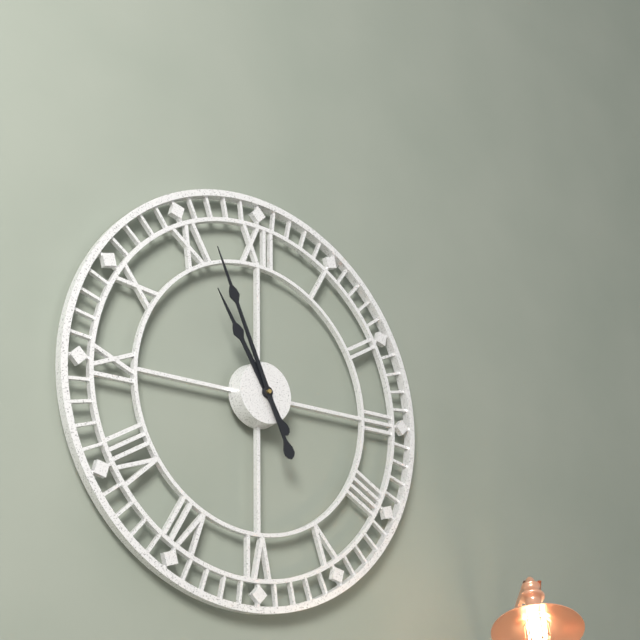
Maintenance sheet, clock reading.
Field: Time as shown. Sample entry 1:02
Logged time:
10:56
